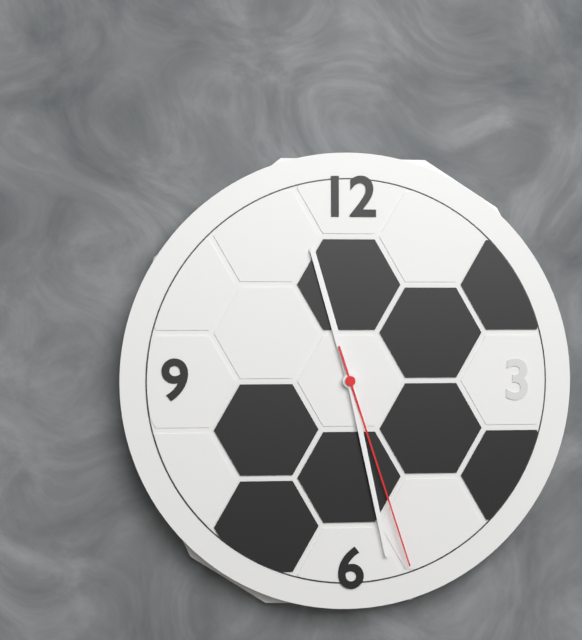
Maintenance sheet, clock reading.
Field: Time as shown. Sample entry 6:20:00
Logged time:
11:28:27
